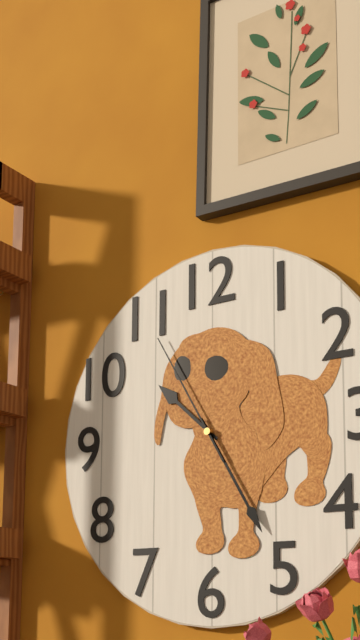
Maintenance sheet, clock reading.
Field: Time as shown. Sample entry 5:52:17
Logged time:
10:25:55
